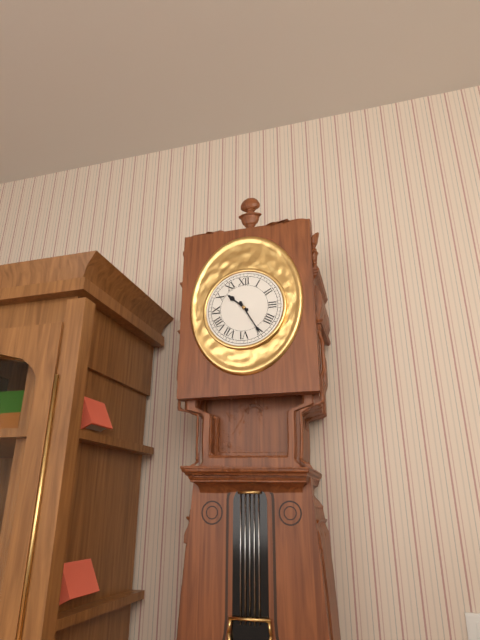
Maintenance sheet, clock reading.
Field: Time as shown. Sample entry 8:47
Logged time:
10:25
